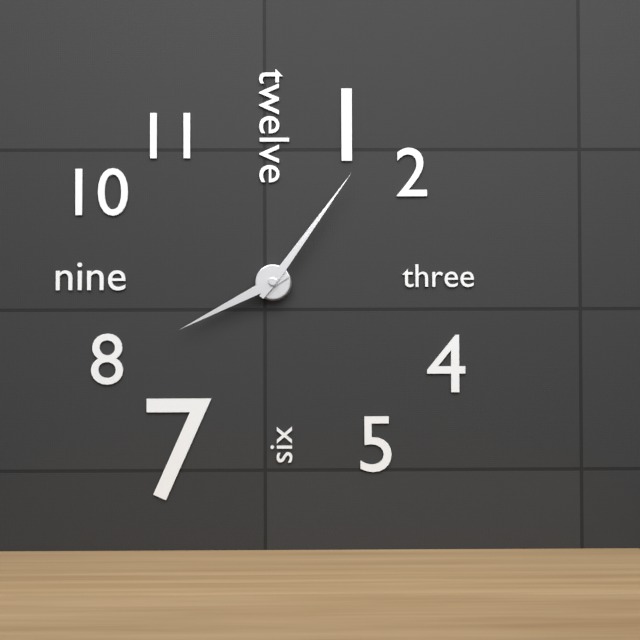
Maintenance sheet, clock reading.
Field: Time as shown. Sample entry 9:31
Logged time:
8:06
